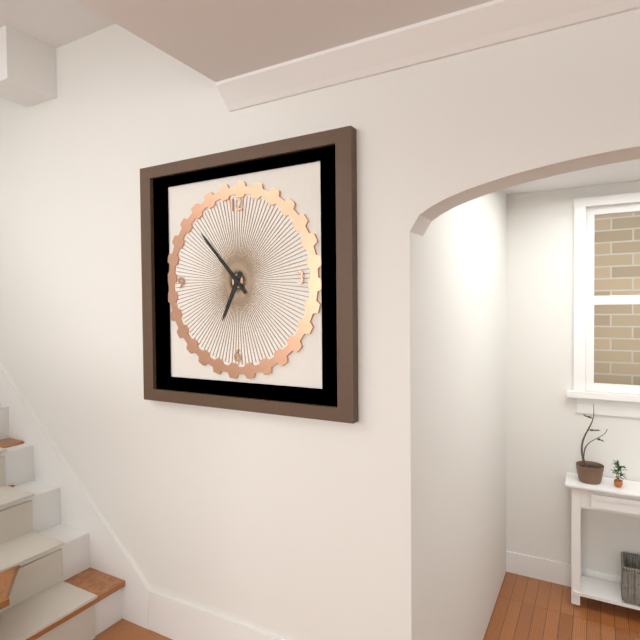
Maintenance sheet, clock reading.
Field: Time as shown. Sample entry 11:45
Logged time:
6:53
